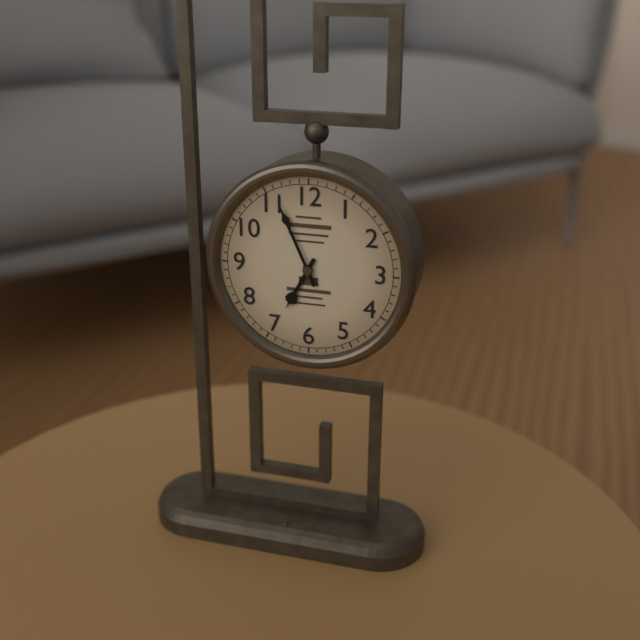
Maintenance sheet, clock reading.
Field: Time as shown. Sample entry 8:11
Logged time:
6:56
